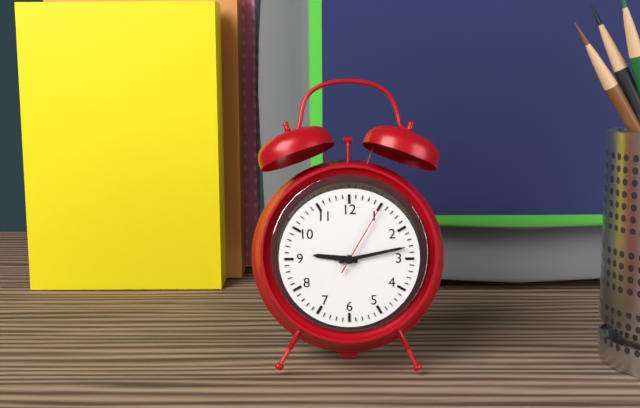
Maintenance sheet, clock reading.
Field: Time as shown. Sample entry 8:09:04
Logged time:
9:13:05
